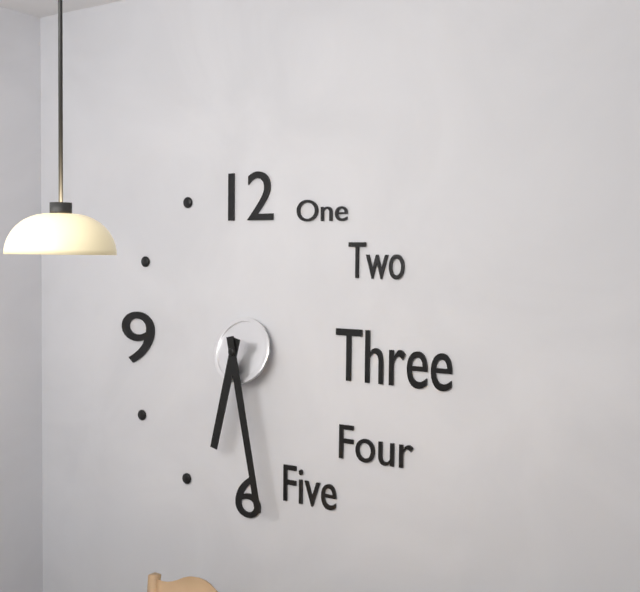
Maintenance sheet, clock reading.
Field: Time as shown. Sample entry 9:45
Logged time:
6:28
